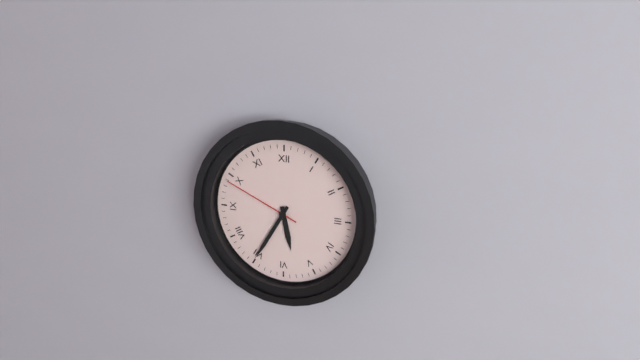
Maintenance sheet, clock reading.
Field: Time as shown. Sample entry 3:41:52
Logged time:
5:35:49
